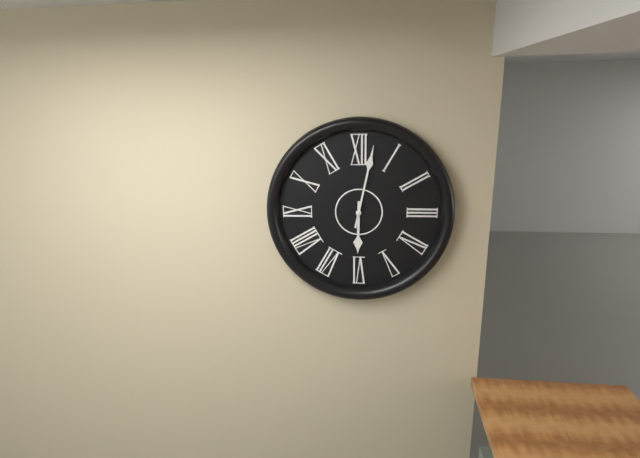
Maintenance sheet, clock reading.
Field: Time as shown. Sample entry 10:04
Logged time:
6:02
